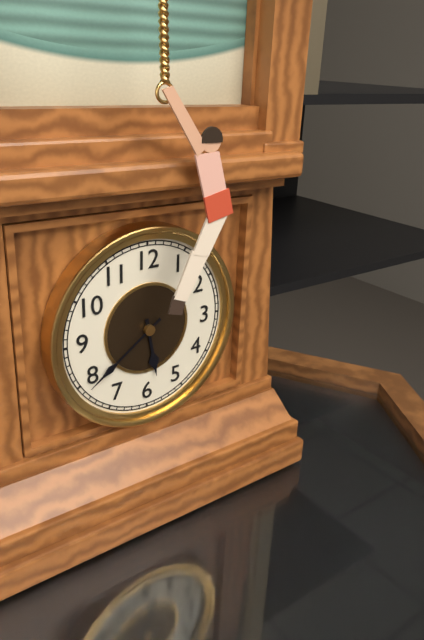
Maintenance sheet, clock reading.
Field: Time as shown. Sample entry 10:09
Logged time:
5:39
